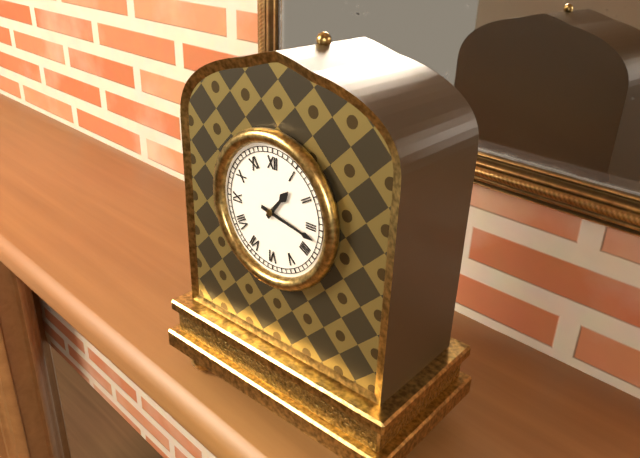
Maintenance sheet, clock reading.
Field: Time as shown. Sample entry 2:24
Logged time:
1:17
